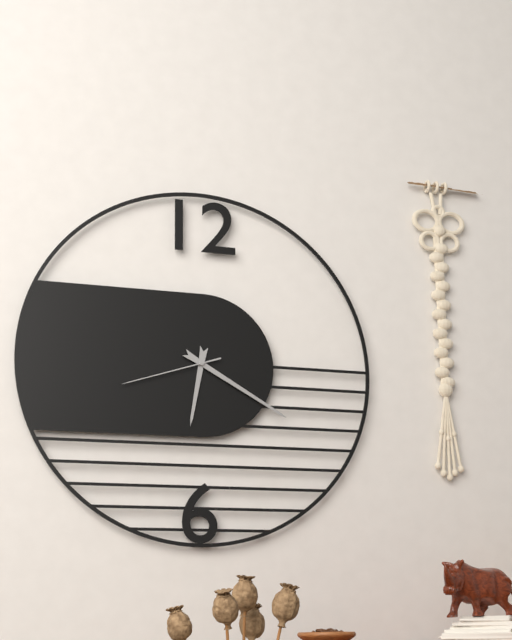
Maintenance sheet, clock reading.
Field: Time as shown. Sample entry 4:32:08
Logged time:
6:20:42
